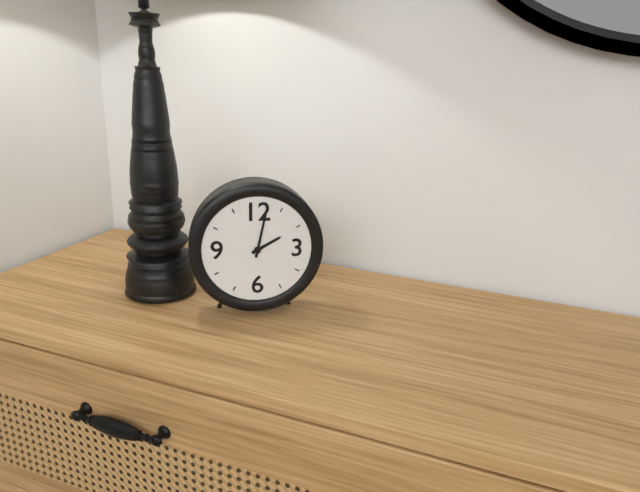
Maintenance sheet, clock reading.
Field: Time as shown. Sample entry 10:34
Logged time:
2:02
